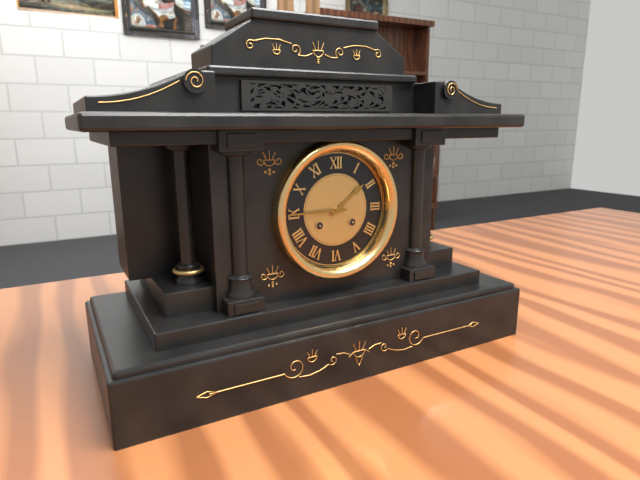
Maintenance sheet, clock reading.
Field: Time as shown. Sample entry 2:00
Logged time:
1:45
